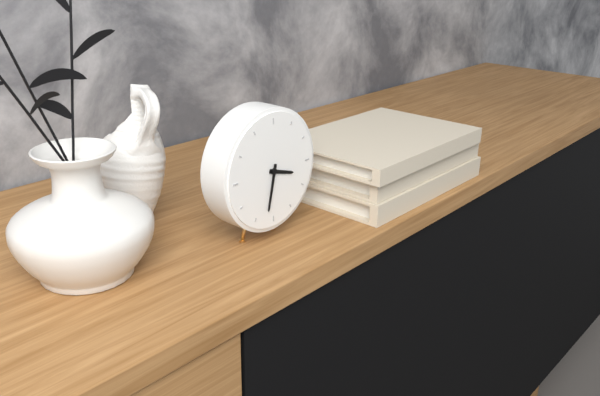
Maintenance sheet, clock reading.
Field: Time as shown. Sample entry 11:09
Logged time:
3:32
